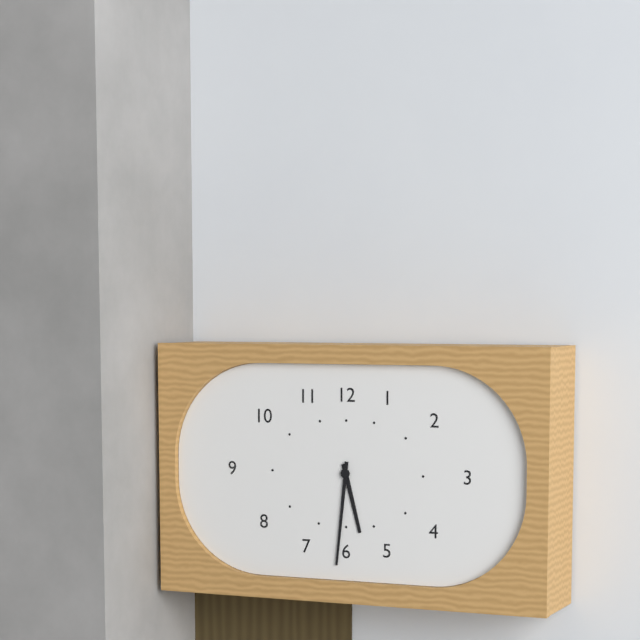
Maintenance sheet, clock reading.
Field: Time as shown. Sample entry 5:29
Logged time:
5:31
